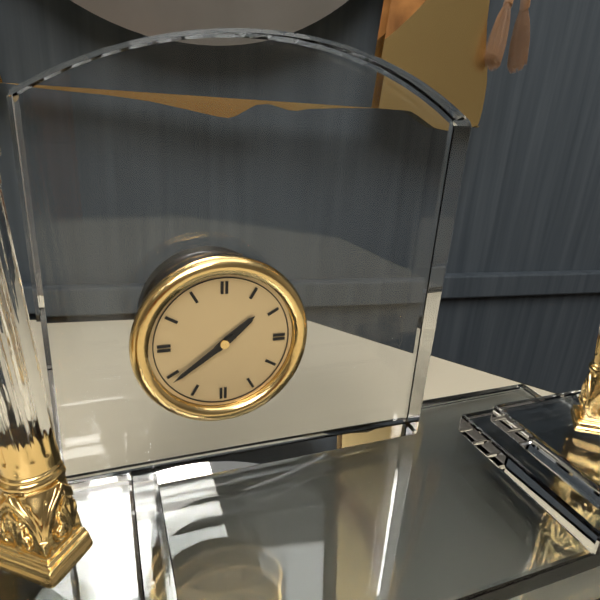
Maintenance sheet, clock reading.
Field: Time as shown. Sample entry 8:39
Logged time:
1:39
